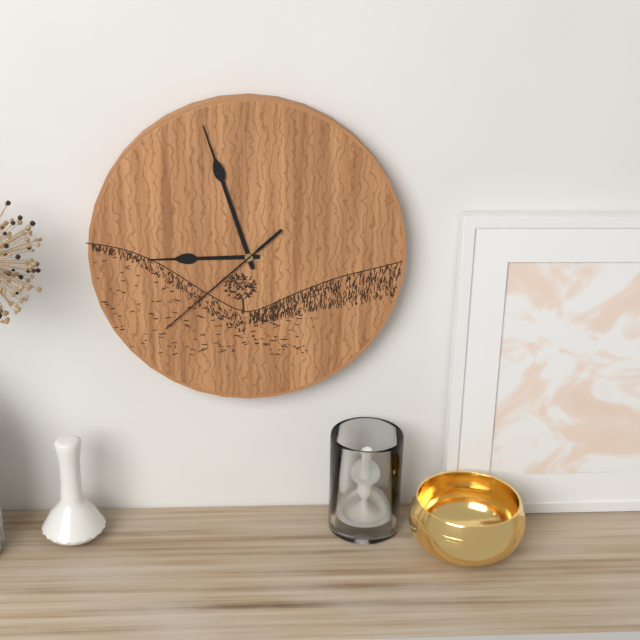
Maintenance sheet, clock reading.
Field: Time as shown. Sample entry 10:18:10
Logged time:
8:57:38
